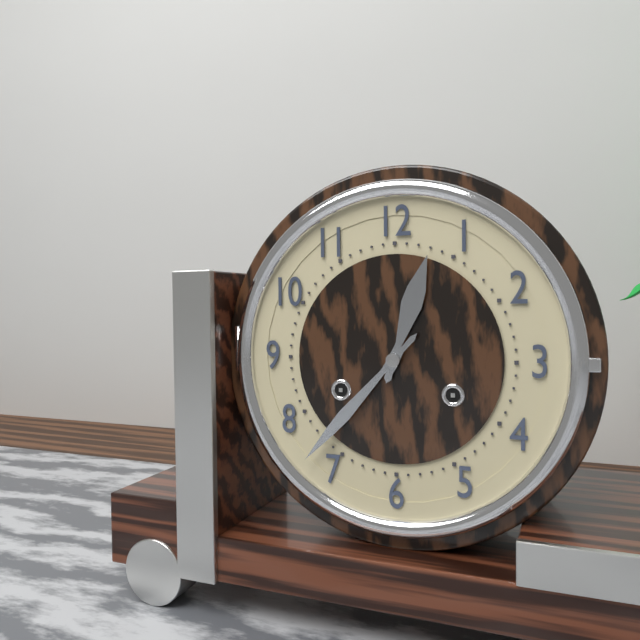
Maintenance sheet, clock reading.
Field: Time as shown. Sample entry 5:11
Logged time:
12:37
